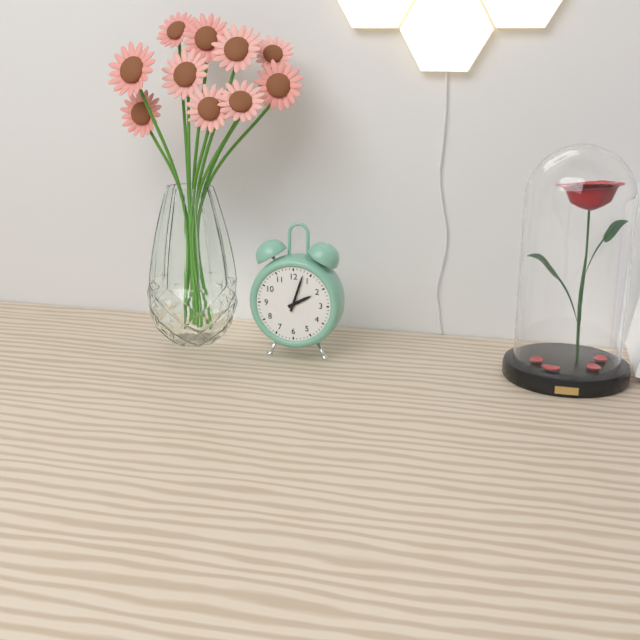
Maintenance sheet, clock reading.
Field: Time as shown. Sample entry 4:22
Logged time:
2:03
